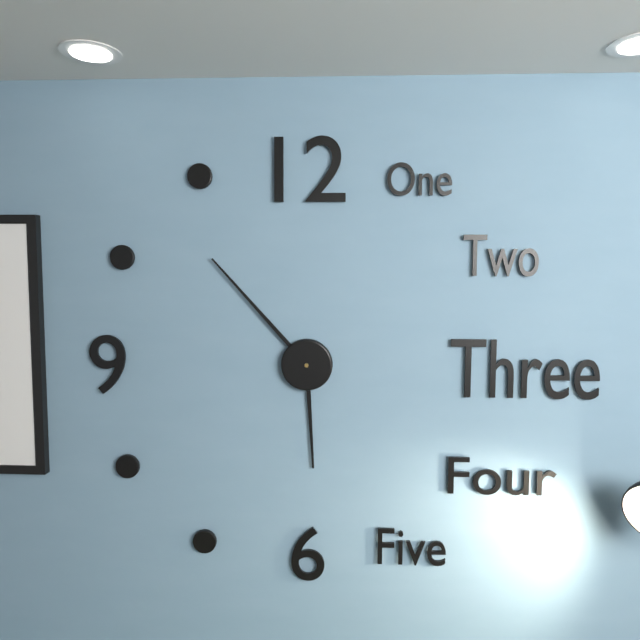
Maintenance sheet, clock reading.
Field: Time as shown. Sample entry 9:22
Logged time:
5:53
